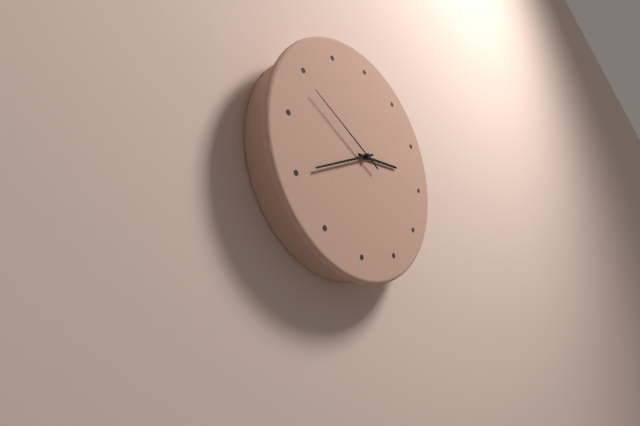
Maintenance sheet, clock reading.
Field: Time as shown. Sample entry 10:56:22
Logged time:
2:40:49
